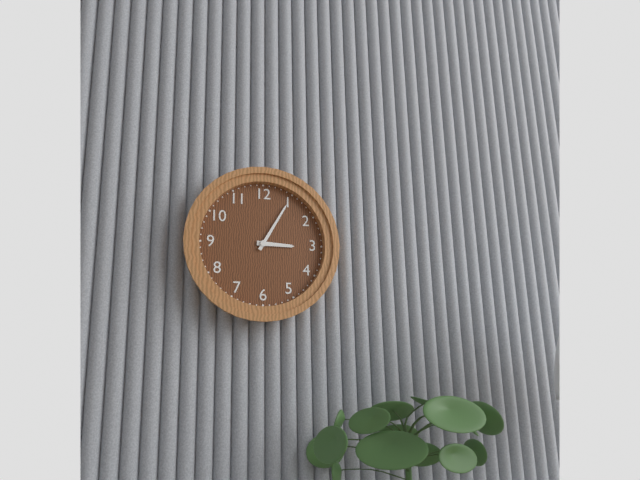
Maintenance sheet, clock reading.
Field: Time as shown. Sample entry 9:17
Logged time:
3:05
